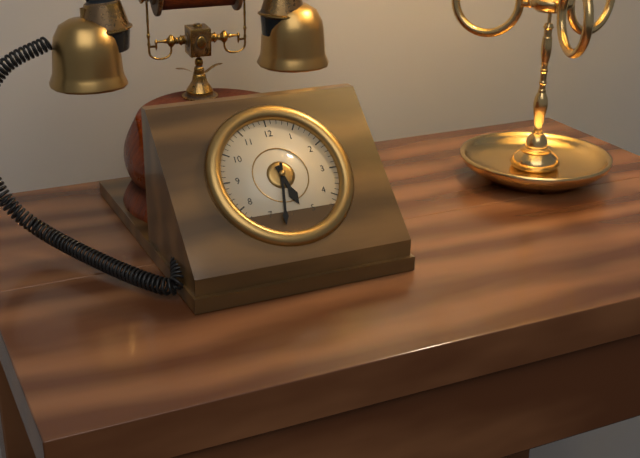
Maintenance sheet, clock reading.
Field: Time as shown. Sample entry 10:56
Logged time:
5:32
